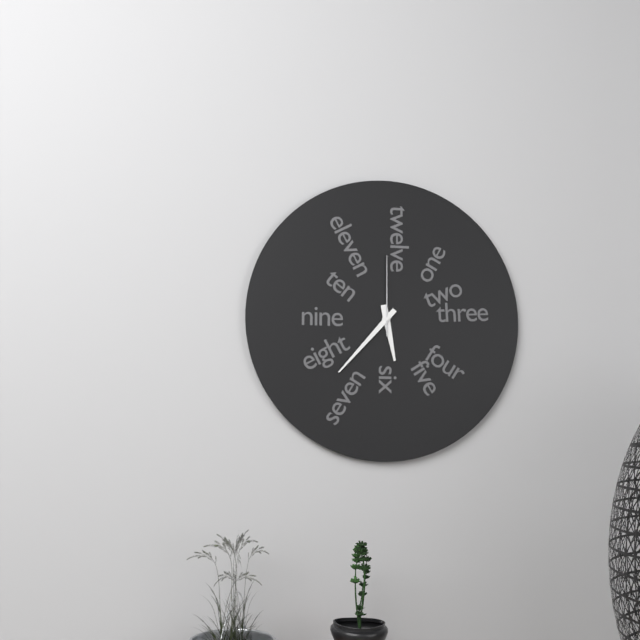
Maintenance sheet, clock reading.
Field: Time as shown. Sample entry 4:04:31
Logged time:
5:37:00
